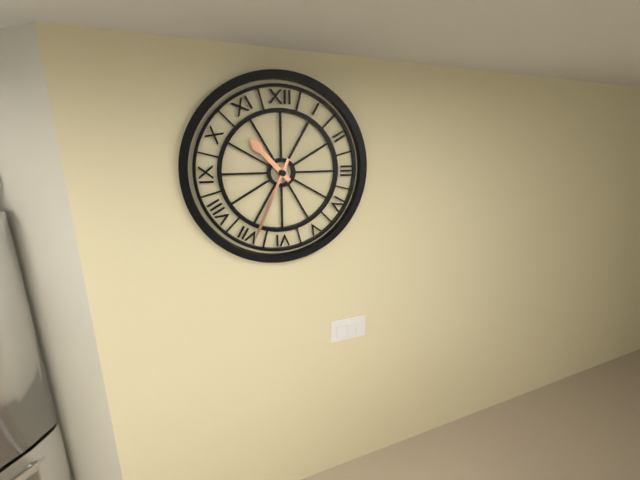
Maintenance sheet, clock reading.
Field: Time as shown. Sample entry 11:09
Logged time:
10:34
